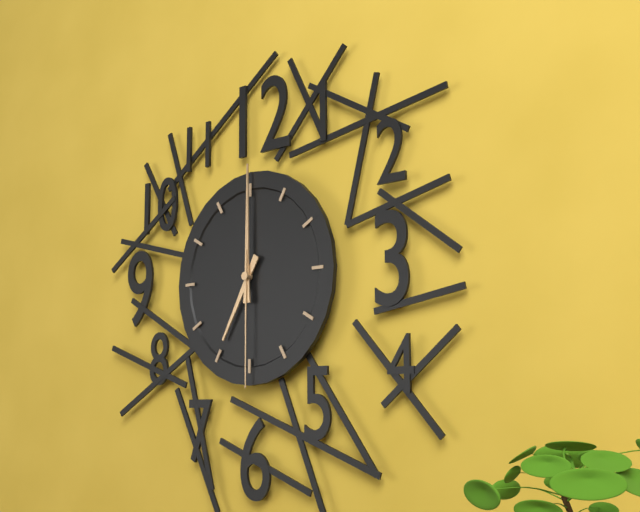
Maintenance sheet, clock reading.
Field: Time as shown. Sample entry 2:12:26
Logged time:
7:00:30
